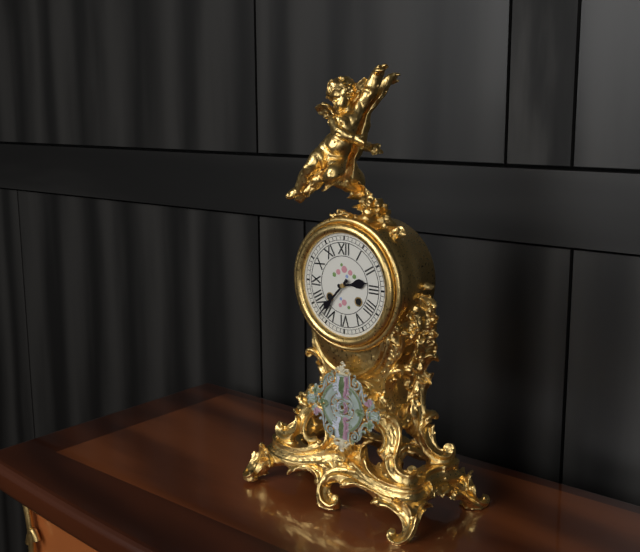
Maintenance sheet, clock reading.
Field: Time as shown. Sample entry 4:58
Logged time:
2:37
